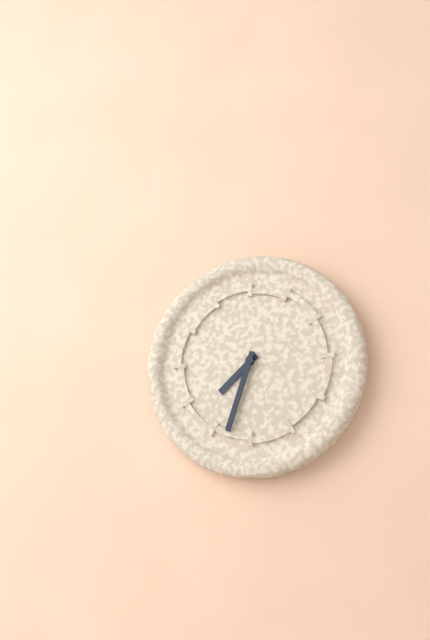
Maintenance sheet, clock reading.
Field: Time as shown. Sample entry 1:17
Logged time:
7:33
